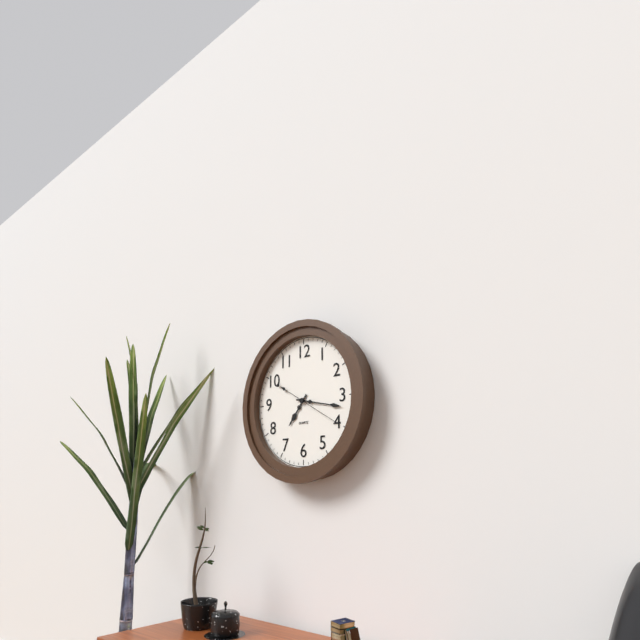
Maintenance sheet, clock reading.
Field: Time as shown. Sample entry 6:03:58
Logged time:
7:17:20
